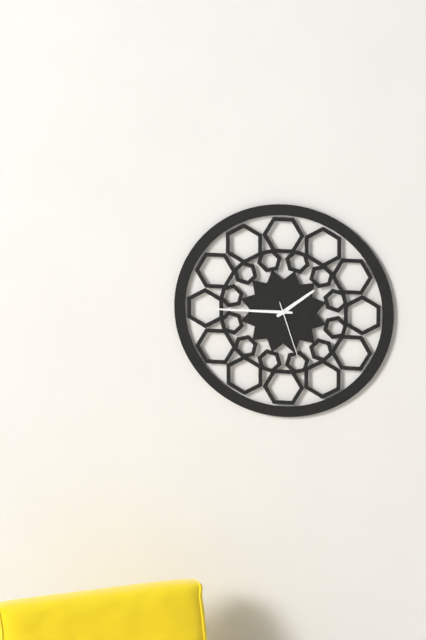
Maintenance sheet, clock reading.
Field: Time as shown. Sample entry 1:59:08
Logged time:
1:45:27
